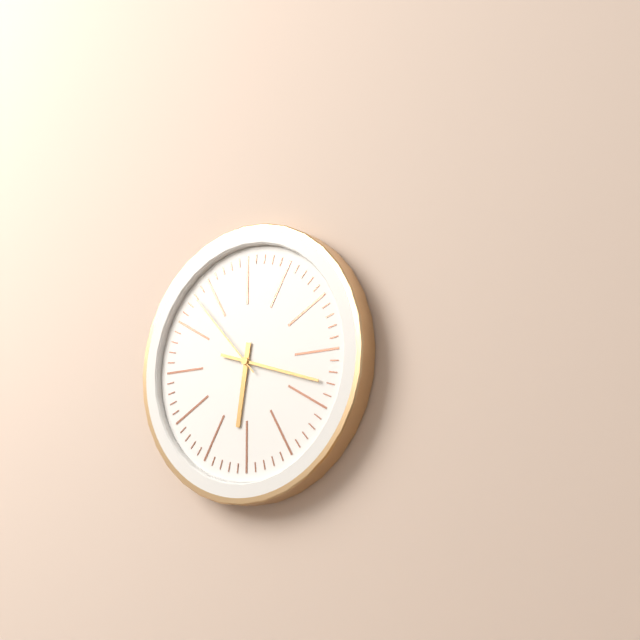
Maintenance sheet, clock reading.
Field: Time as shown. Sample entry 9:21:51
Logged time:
6:18:53
